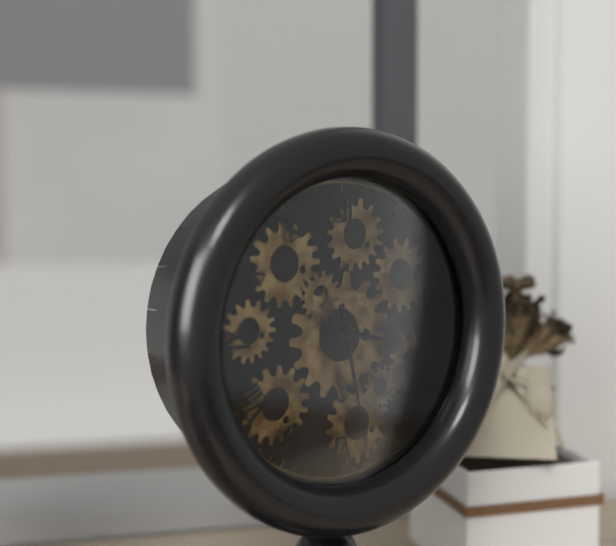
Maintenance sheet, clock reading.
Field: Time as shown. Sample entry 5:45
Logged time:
3:28
